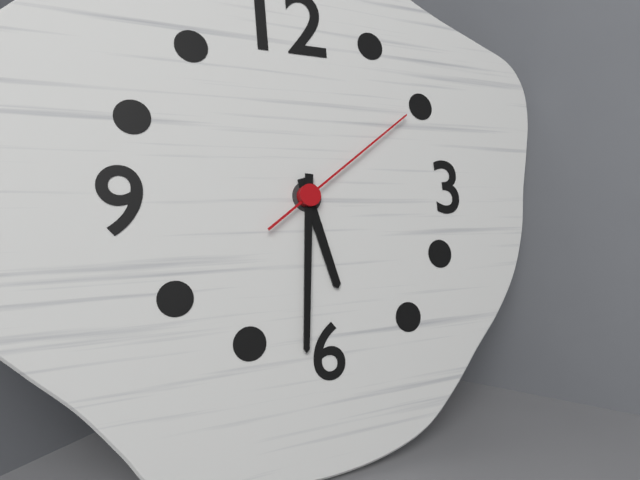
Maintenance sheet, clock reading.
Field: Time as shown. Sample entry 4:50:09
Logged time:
5:31:09
